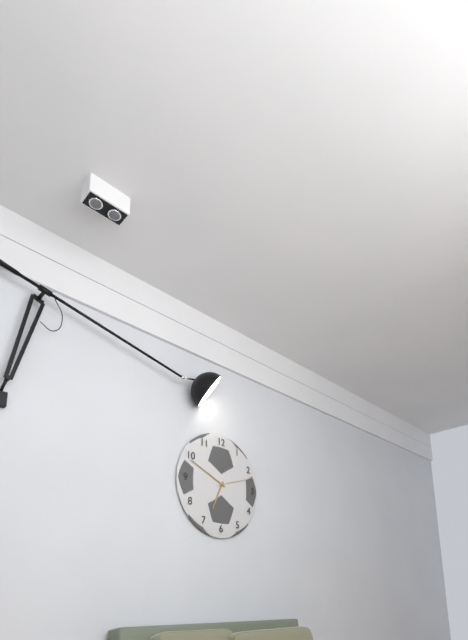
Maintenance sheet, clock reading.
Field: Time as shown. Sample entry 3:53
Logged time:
6:49
